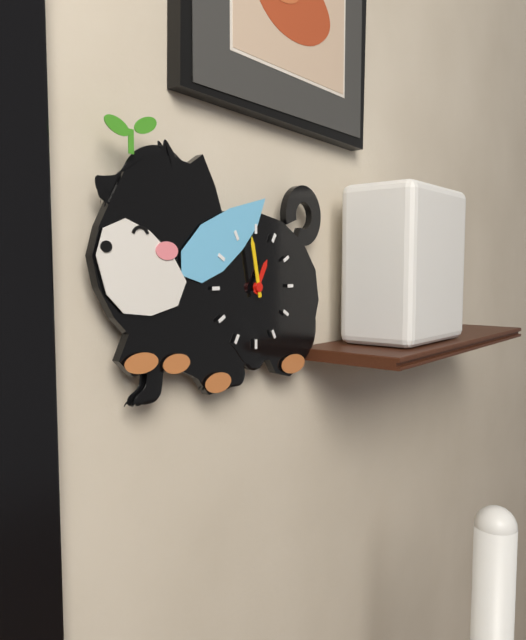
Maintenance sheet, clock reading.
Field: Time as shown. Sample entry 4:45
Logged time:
12:58
